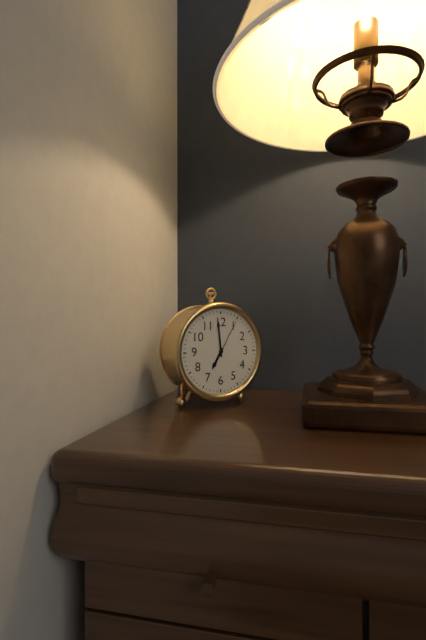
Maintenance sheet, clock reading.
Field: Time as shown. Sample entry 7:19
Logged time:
6:59
